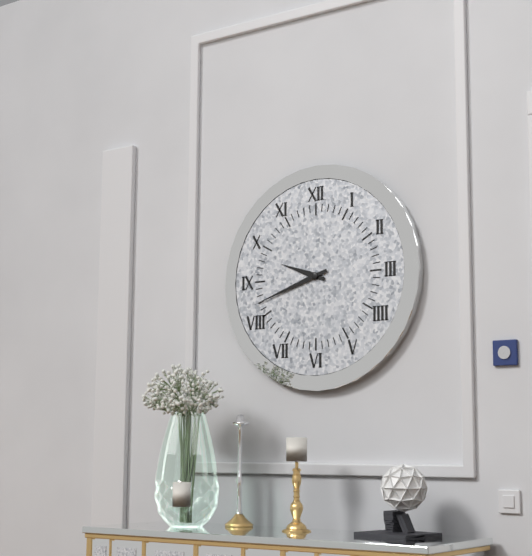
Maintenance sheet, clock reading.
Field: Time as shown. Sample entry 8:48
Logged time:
9:42
